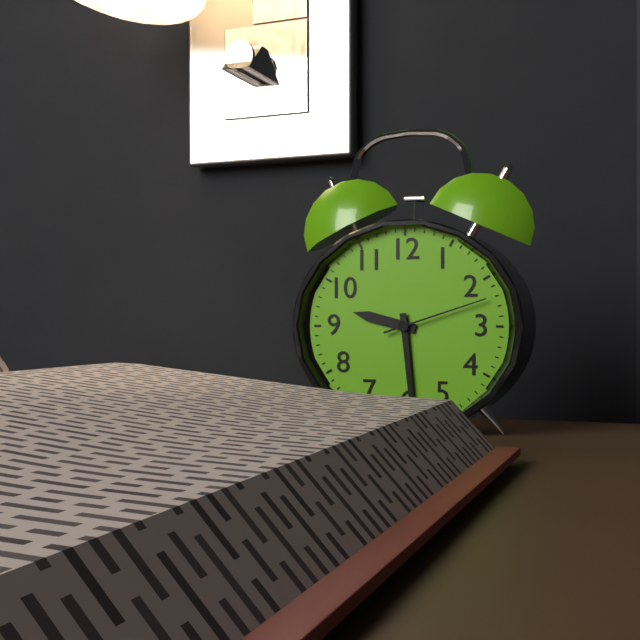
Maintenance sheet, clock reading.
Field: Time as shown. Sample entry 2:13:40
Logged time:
9:29:12
